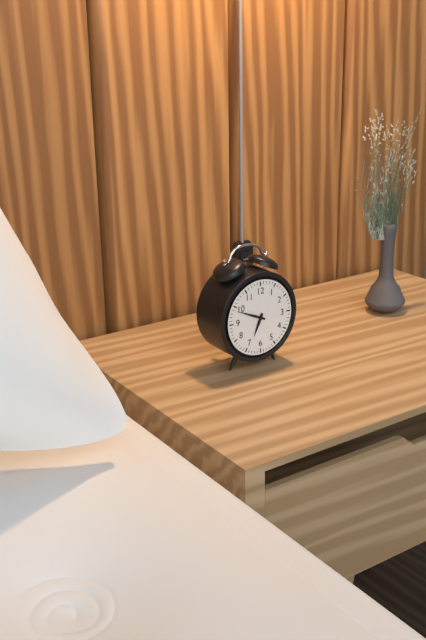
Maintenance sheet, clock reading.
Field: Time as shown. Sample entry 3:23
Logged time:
6:49
